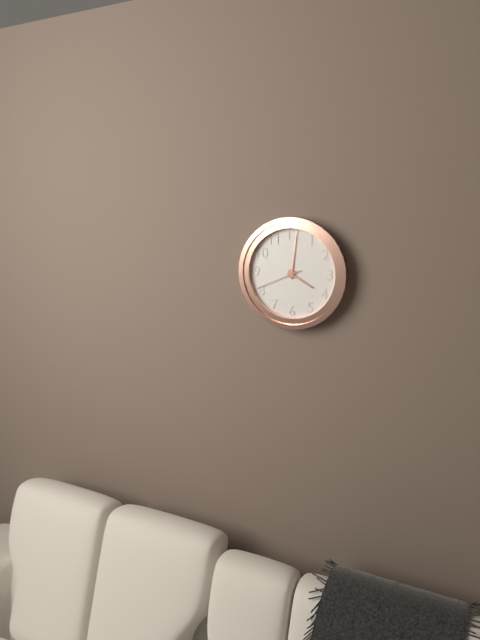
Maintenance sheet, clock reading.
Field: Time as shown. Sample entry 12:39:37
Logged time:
4:01:41
